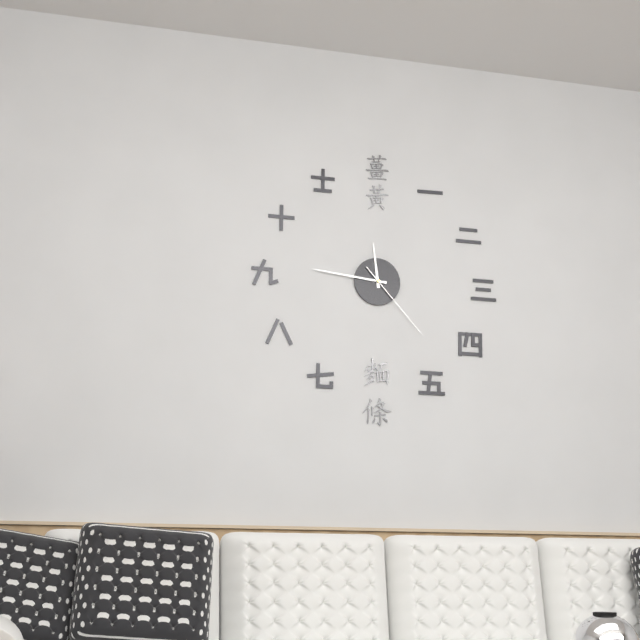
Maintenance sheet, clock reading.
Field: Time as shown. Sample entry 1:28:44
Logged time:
11:46:23
